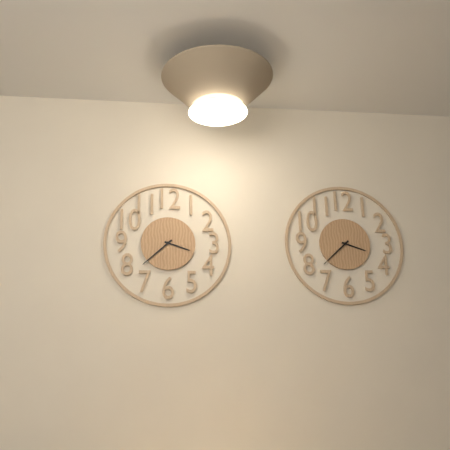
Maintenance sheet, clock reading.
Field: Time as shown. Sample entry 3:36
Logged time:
3:38
